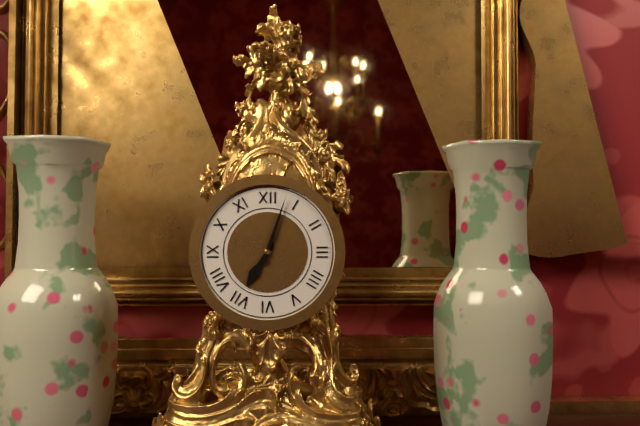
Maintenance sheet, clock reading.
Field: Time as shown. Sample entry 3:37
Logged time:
7:03
